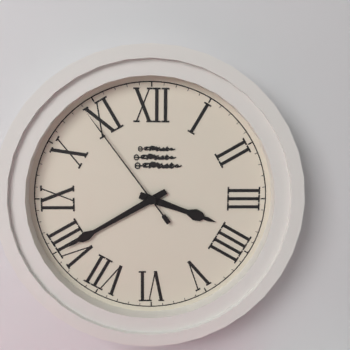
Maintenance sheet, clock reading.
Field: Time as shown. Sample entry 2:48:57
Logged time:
3:40:54
